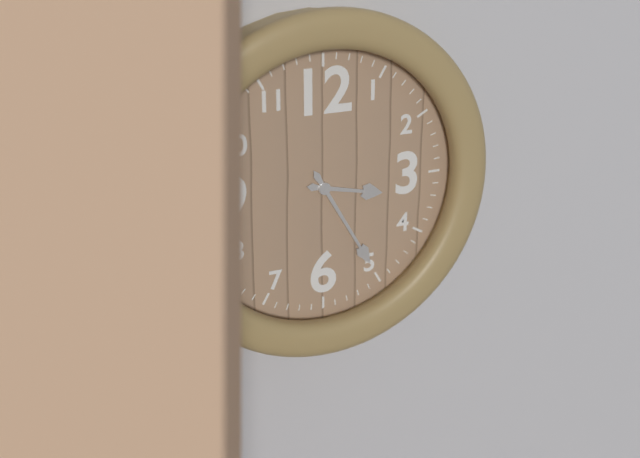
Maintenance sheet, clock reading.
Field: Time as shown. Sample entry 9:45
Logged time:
3:25
